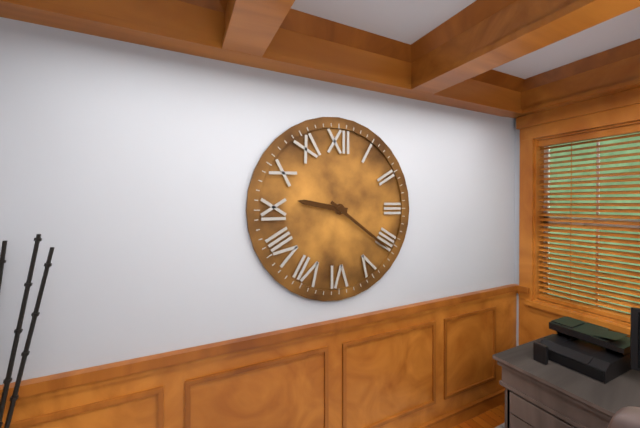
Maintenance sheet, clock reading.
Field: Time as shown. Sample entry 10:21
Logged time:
9:21
